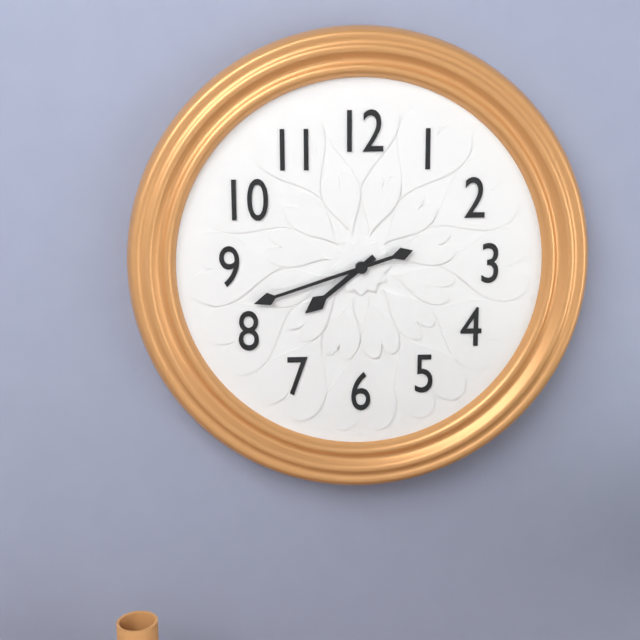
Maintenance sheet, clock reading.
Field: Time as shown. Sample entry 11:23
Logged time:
7:42
